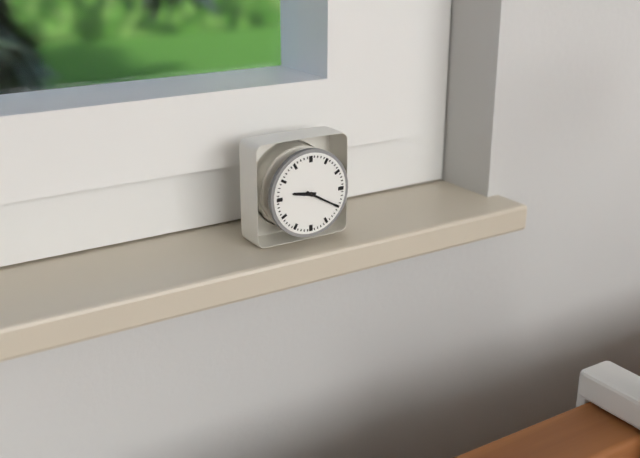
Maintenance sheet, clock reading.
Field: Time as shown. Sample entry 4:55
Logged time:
9:20
